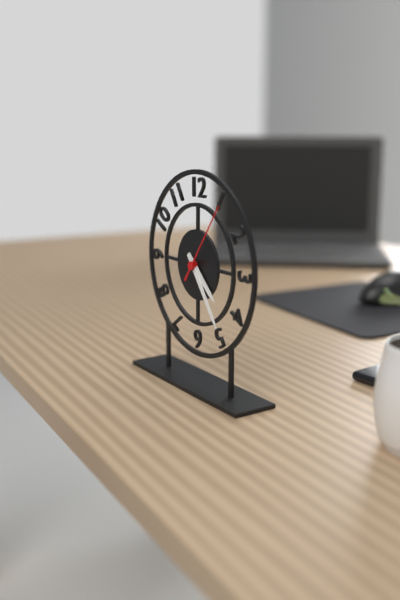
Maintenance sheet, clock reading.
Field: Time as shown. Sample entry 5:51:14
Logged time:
4:24:06
